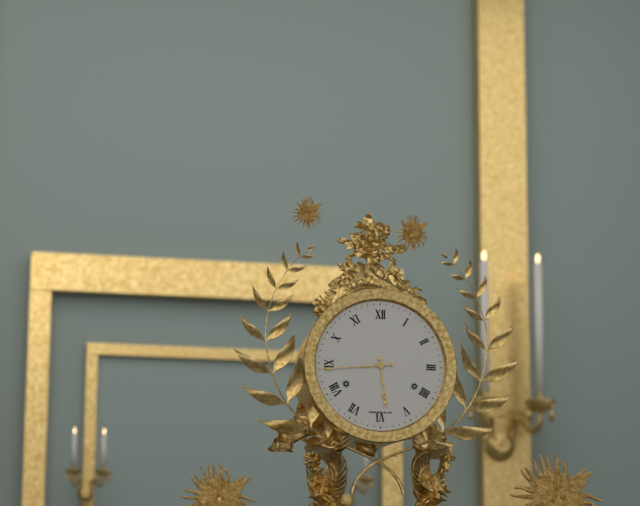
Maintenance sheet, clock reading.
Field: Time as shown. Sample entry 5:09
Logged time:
5:44
